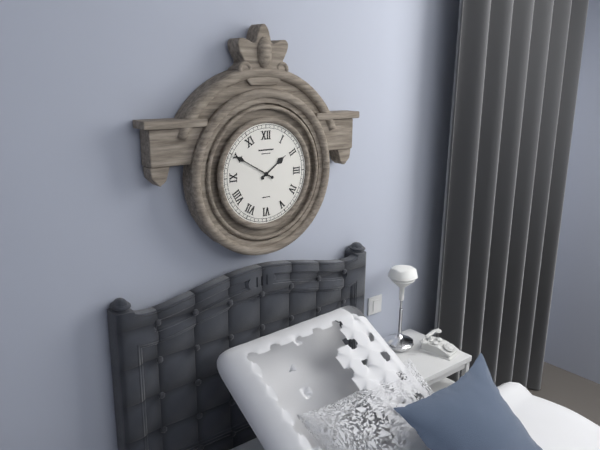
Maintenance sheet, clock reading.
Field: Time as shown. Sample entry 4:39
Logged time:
1:50
